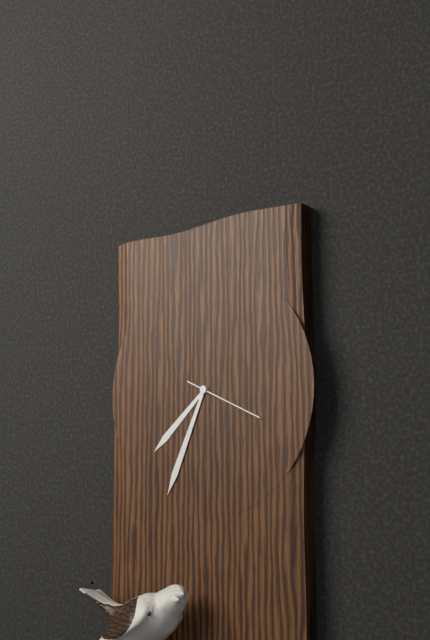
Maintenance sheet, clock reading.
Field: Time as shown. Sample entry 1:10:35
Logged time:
7:34:19
